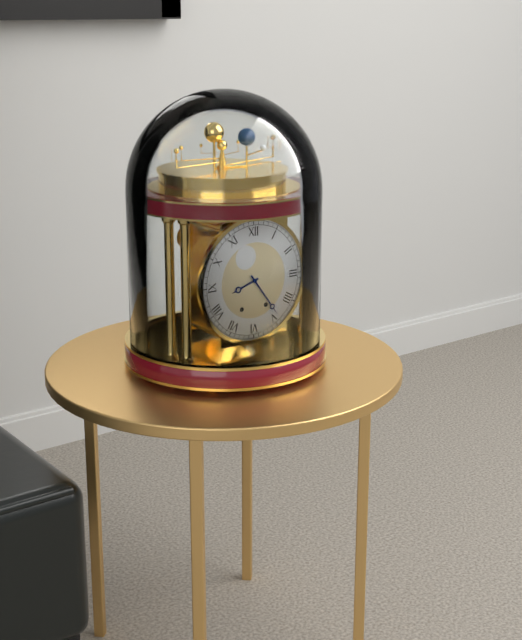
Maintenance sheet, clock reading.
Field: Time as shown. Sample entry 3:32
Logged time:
8:24
